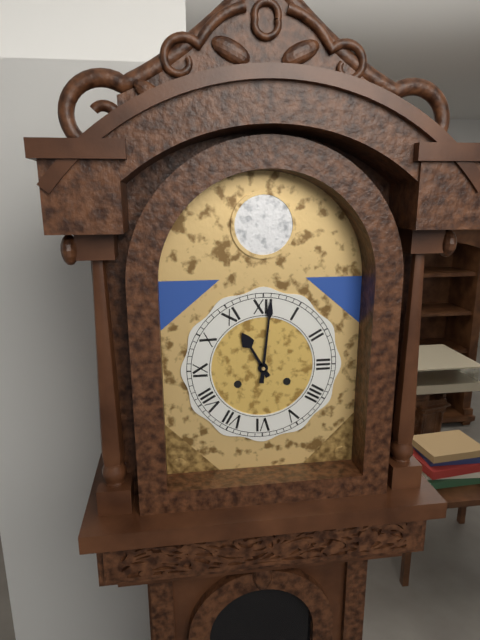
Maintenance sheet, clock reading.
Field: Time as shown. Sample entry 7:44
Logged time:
11:01
